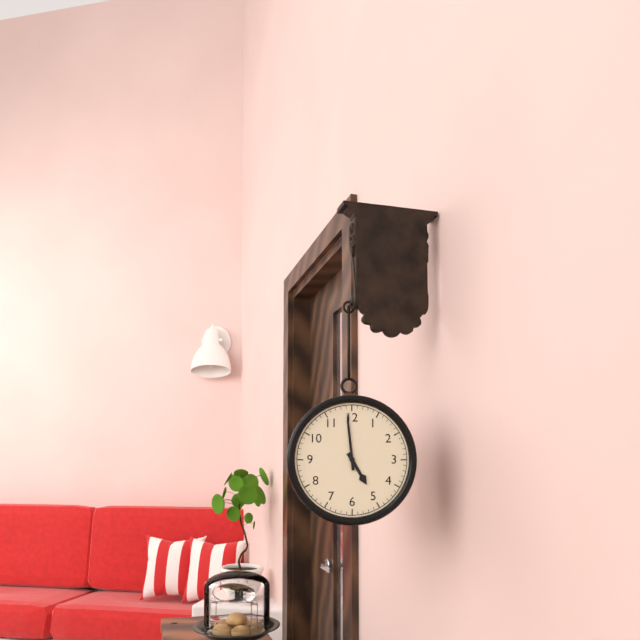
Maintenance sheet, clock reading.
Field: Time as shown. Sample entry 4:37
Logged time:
4:59
